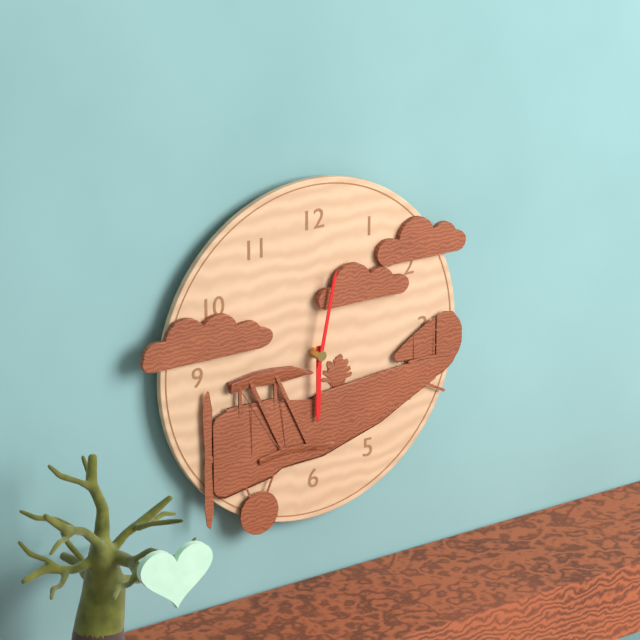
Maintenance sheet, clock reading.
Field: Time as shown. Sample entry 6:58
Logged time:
6:02
